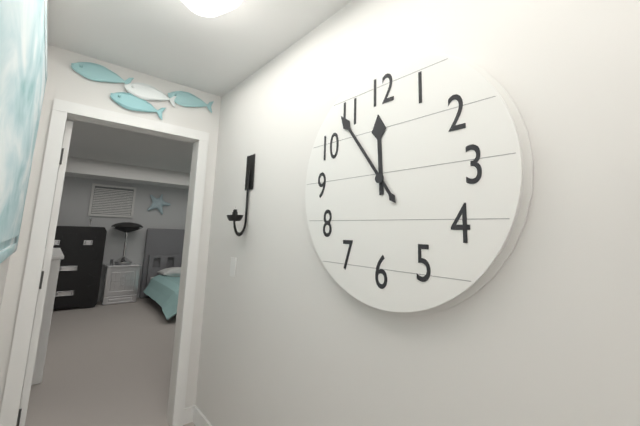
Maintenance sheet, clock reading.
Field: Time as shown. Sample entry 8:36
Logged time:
11:54
